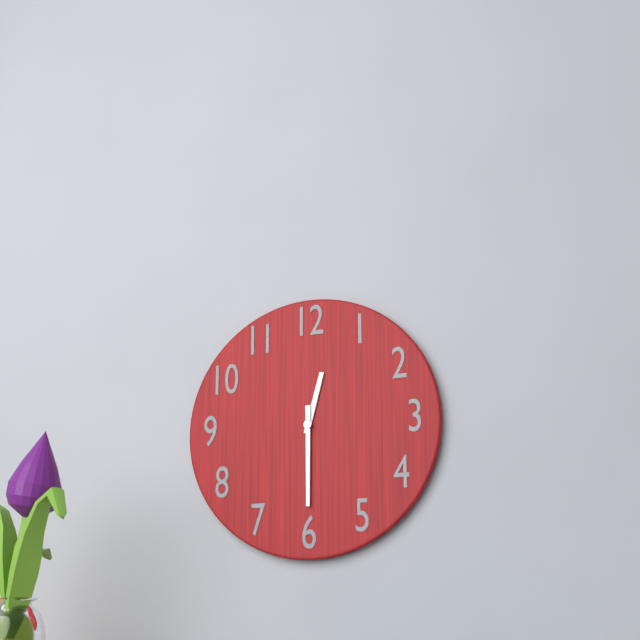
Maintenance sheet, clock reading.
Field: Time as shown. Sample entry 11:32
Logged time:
12:30
